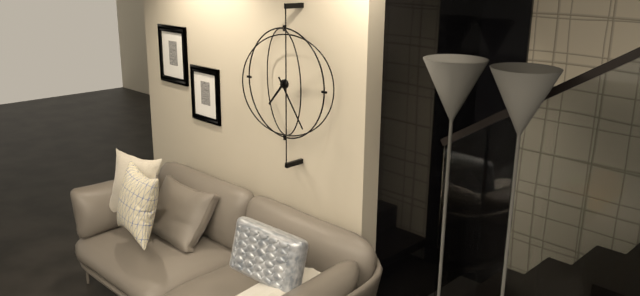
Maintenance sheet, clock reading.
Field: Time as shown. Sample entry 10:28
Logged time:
7:24
